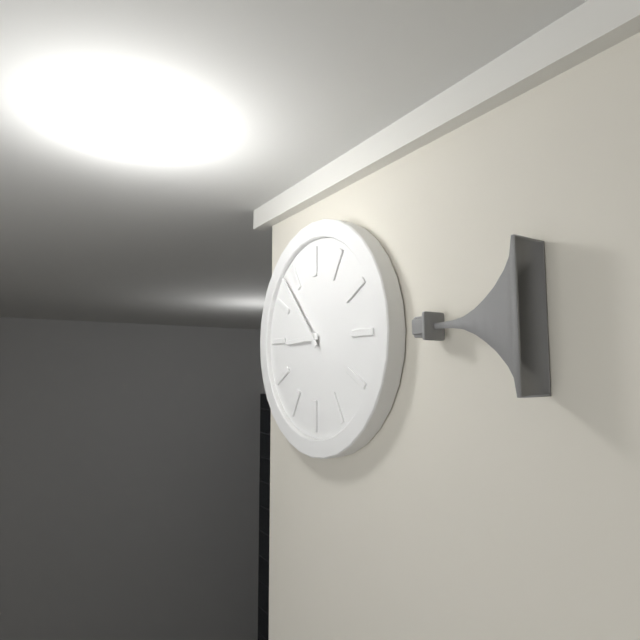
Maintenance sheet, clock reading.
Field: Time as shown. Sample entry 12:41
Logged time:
8:53
